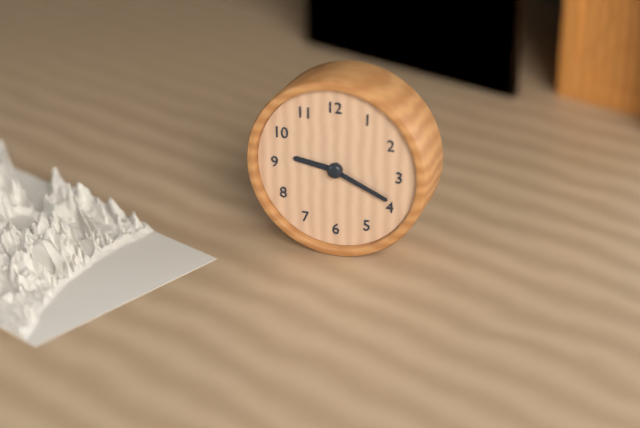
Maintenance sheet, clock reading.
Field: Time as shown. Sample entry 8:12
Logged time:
9:19
